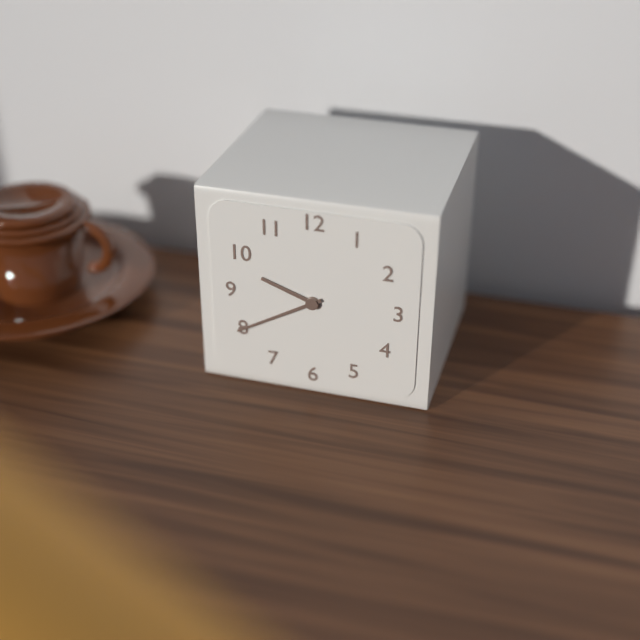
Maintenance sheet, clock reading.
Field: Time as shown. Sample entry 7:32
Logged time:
9:40
